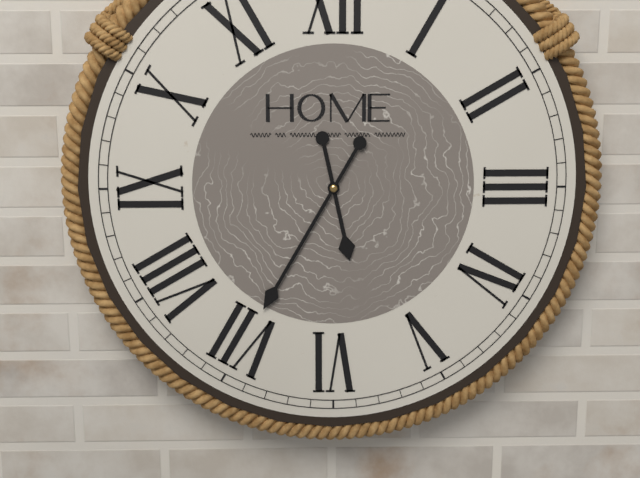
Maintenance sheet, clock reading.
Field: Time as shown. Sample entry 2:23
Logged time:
5:35
